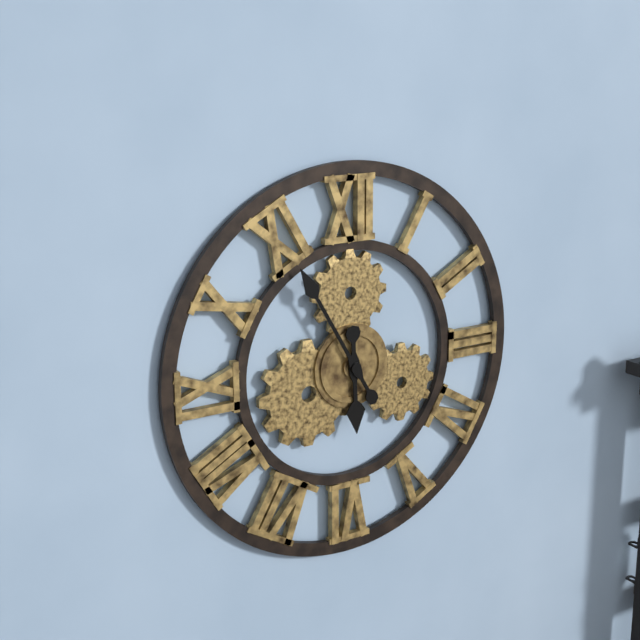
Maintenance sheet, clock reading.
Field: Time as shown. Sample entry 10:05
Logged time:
5:55
